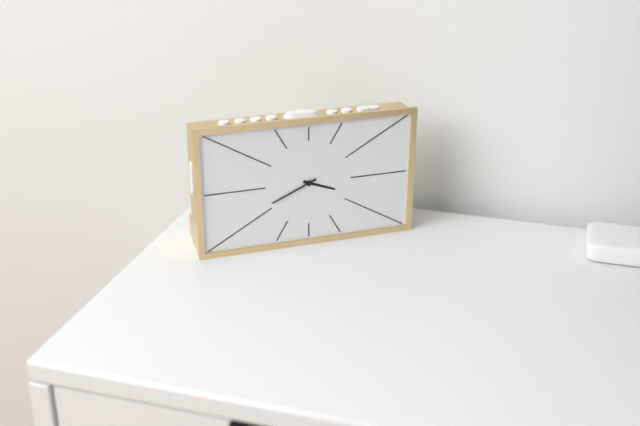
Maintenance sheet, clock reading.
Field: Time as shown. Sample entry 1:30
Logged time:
3:41
